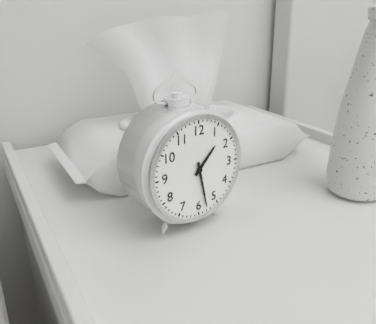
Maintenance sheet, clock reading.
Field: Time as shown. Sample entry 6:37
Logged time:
1:28
